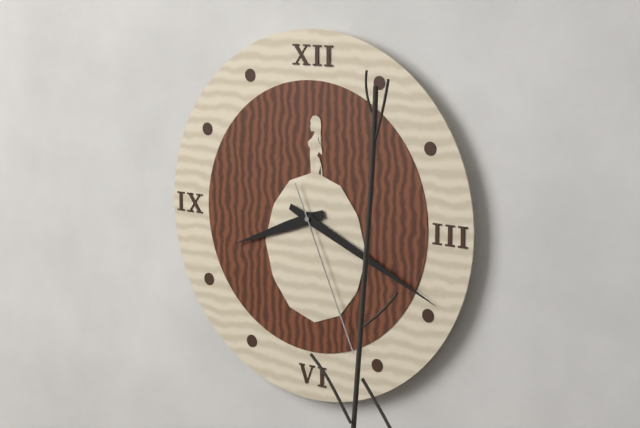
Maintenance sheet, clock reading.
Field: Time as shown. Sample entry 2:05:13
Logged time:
8:19:26
